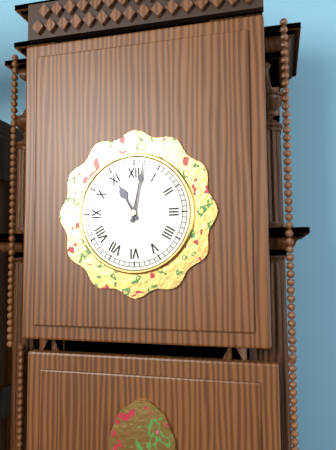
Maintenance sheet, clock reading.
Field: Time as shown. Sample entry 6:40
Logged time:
11:02
